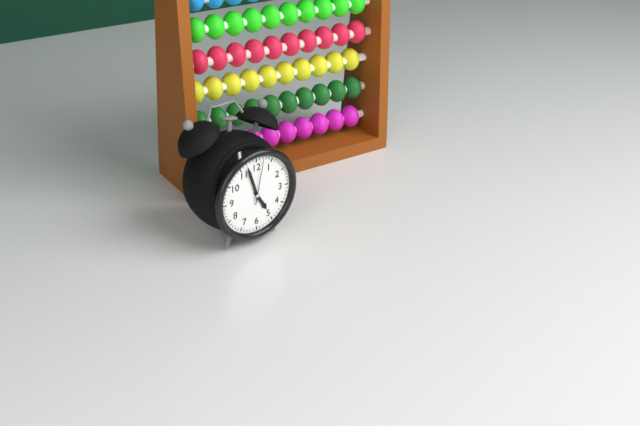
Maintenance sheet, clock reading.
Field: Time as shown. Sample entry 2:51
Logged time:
4:57
